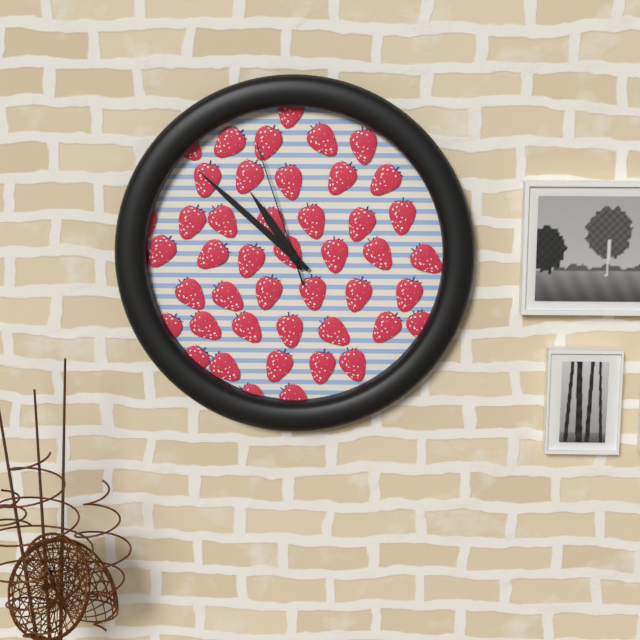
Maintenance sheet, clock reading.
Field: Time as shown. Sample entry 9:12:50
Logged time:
10:52:57
